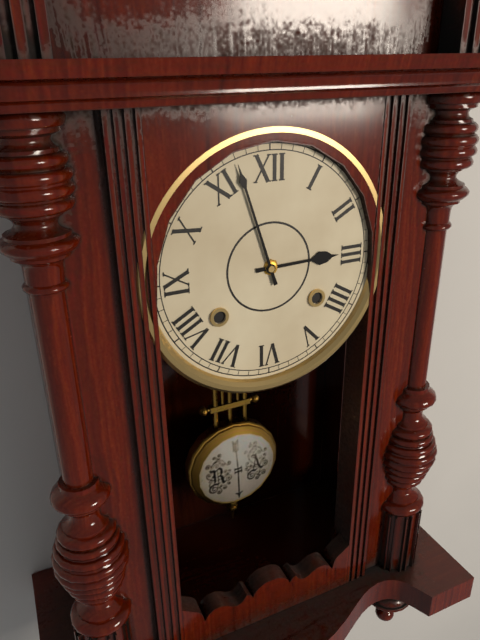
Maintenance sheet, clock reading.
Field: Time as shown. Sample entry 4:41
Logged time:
2:57
